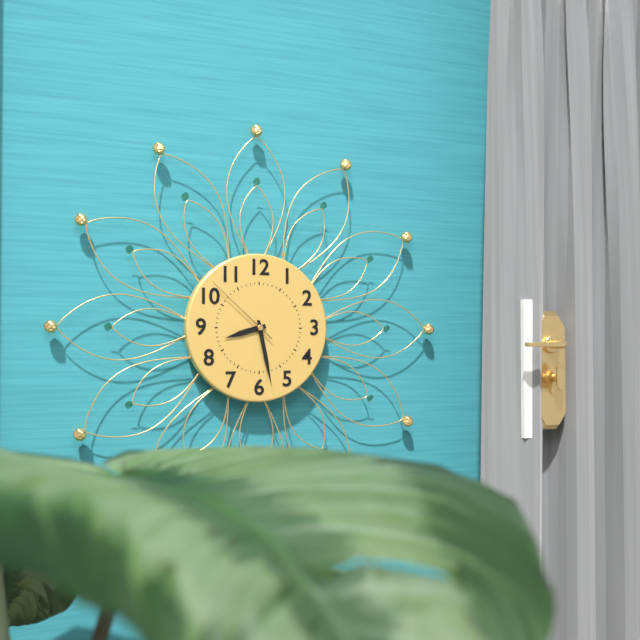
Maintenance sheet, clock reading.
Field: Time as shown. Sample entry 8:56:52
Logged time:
8:28:52
